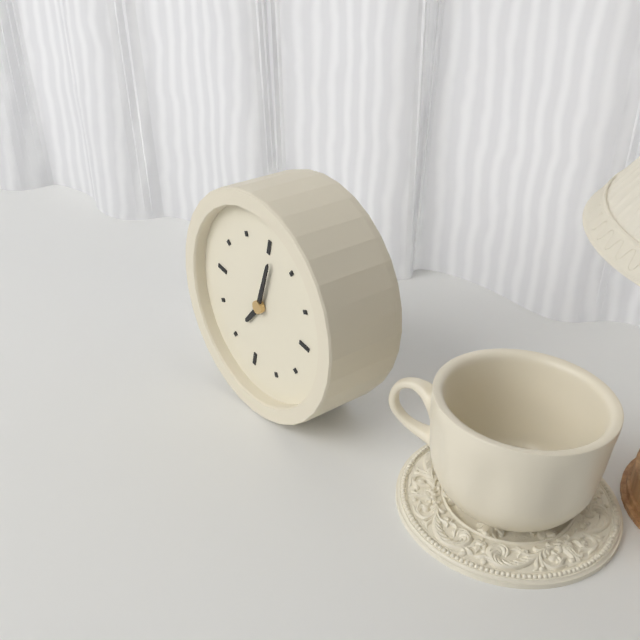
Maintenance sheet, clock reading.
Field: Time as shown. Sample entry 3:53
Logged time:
7:01
